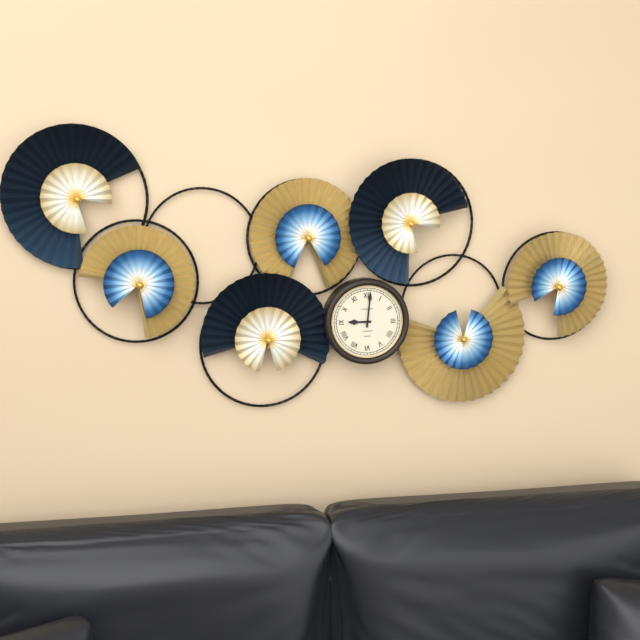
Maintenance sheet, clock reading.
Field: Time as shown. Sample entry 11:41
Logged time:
9:01
